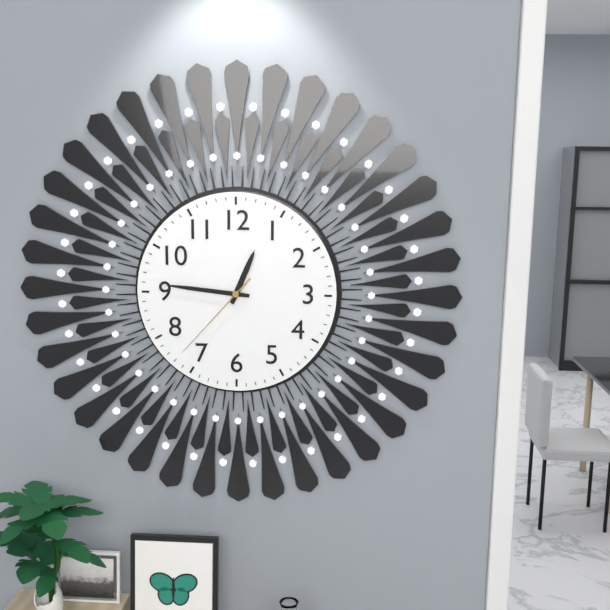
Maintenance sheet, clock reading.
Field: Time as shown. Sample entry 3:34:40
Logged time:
12:46:37
